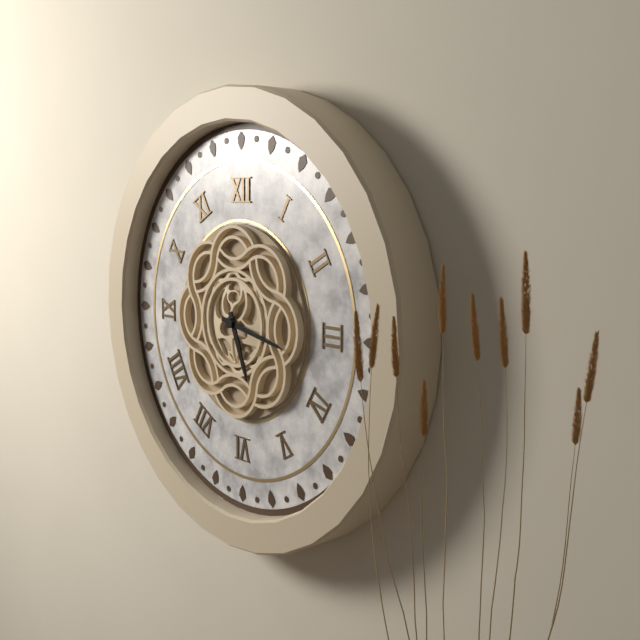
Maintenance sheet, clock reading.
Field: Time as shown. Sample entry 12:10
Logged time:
5:17
